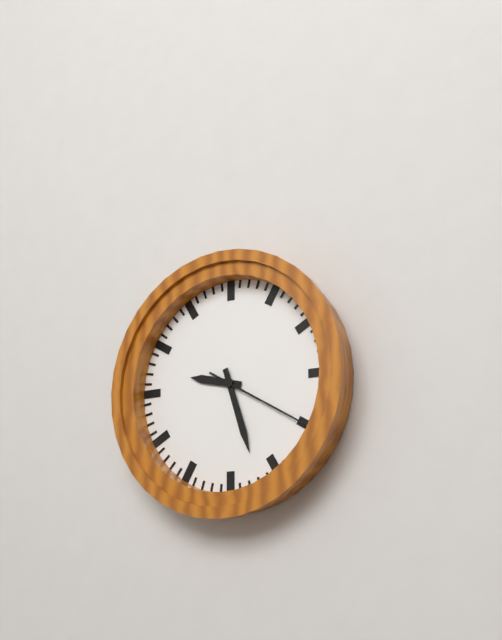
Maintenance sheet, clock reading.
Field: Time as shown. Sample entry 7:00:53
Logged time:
9:27:20
